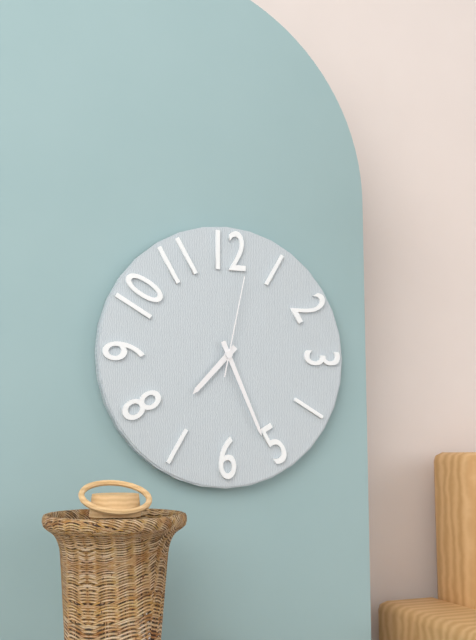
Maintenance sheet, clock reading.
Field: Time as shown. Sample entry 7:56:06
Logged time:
7:26:02
